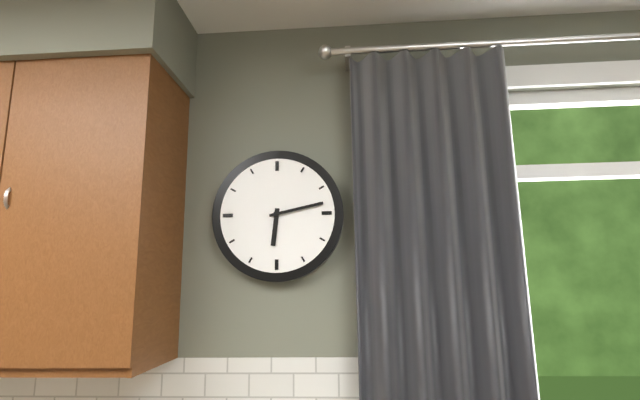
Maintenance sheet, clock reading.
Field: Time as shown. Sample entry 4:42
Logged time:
6:13
